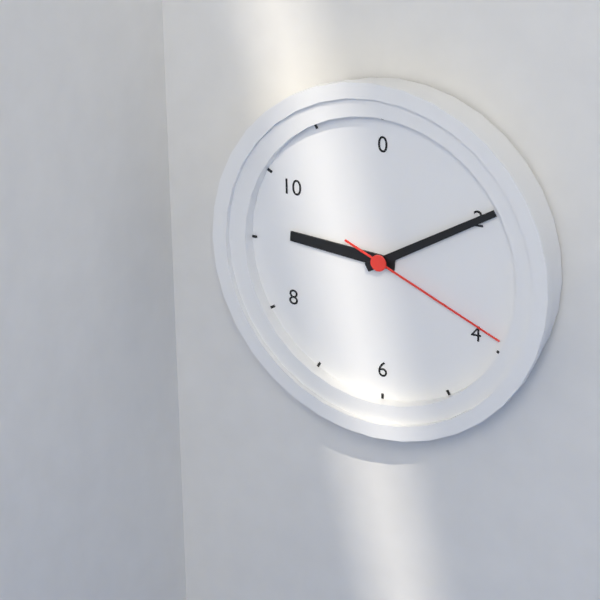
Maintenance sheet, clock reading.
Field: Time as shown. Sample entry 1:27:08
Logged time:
9:10:19
